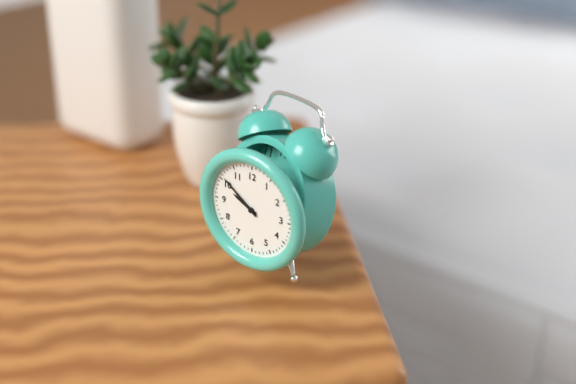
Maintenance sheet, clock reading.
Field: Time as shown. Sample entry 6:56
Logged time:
9:51
